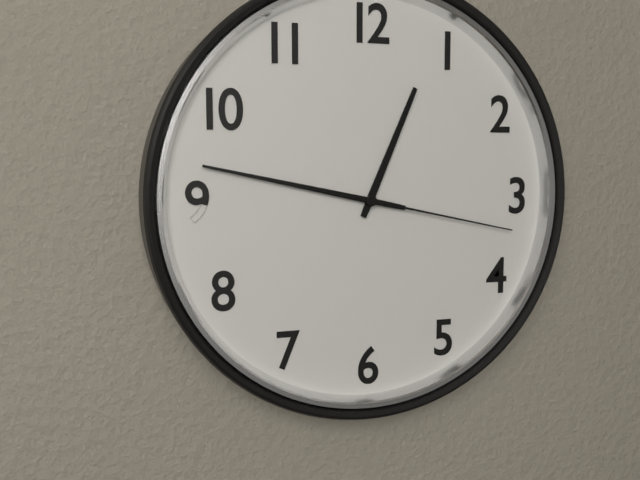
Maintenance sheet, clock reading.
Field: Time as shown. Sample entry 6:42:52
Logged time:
12:47:17
